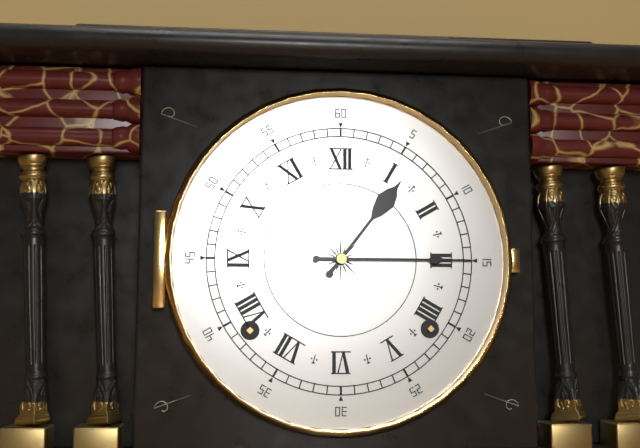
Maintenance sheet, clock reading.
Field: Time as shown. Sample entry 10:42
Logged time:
1:15
